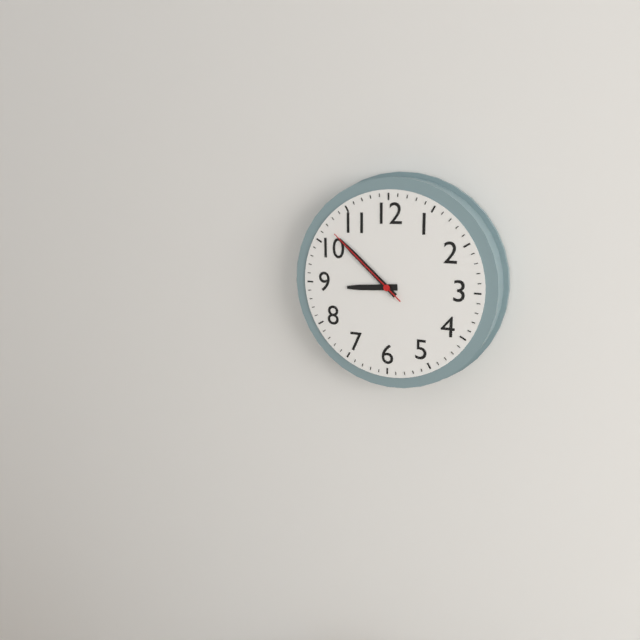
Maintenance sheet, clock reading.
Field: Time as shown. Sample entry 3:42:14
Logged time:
8:52:52
